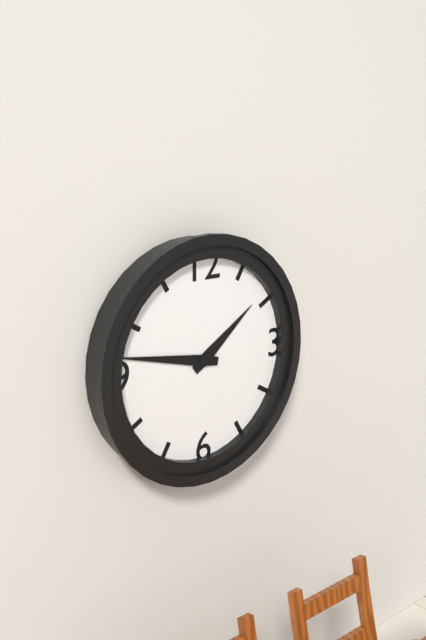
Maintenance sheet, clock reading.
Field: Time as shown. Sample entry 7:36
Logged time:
1:47
